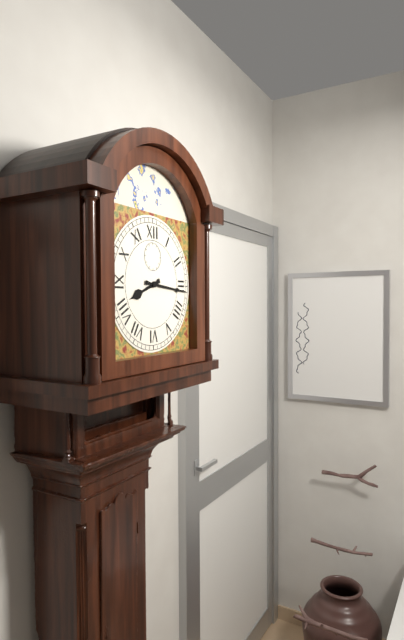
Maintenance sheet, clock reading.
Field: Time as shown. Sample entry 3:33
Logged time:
8:16
